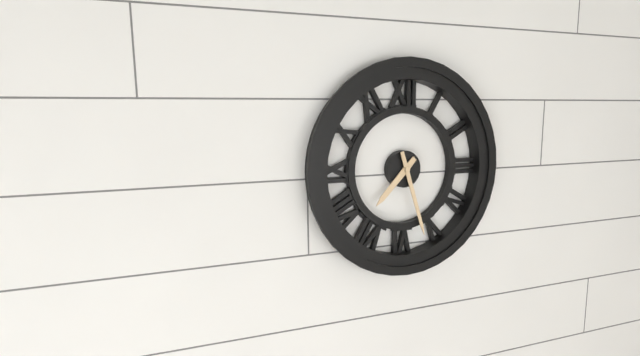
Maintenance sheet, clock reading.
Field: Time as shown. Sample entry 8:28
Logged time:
7:27
